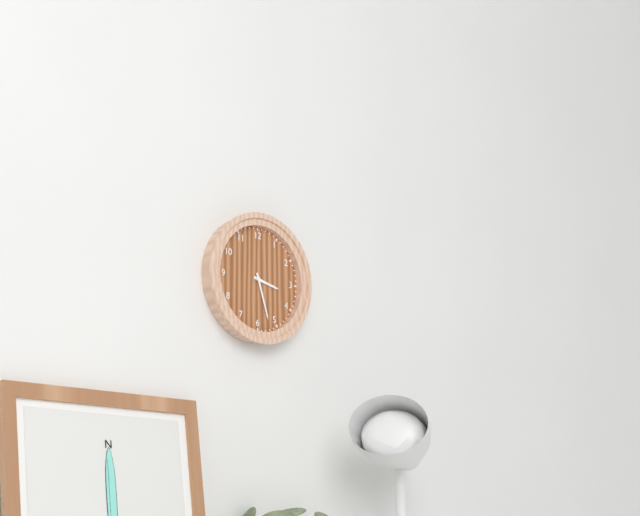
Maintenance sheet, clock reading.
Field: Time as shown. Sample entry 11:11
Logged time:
3:27
